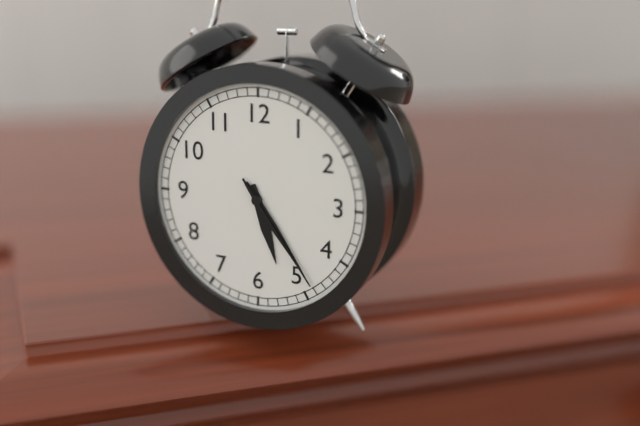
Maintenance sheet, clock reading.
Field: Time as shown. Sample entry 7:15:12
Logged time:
5:24:24
